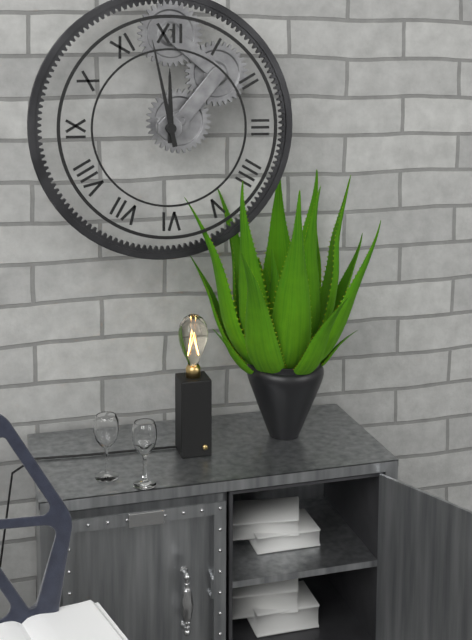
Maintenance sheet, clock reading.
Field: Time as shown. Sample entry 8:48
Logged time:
11:58
